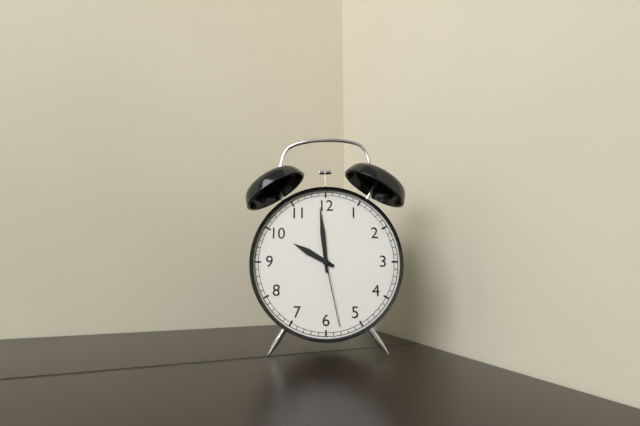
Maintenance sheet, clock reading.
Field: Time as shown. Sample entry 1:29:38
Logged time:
9:59:28
